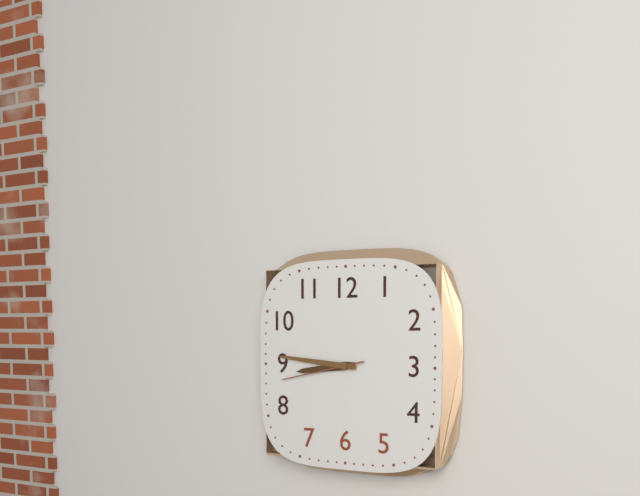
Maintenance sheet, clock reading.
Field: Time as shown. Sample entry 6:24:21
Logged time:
8:46:43
